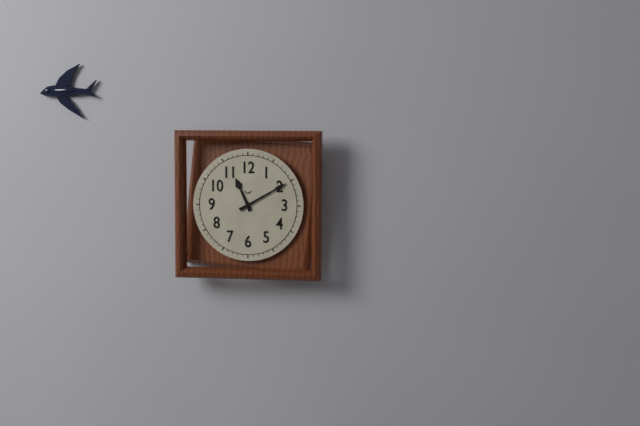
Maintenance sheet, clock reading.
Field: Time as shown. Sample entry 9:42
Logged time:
11:10
